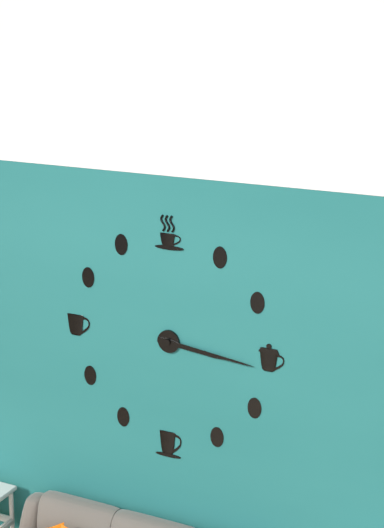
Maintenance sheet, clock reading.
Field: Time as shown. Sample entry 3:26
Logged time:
3:16
